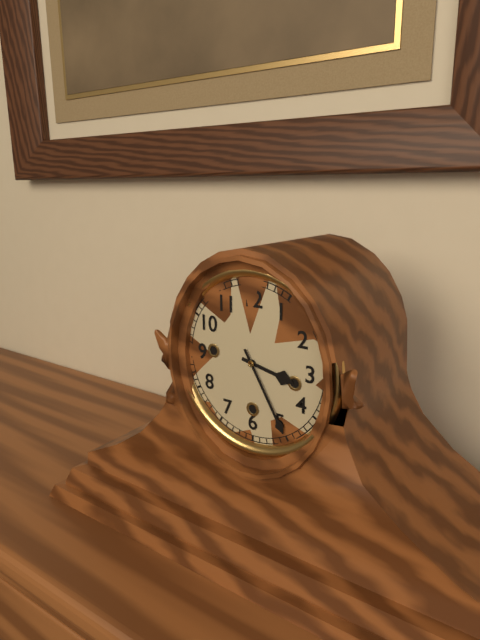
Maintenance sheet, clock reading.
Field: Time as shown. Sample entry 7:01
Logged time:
3:25
